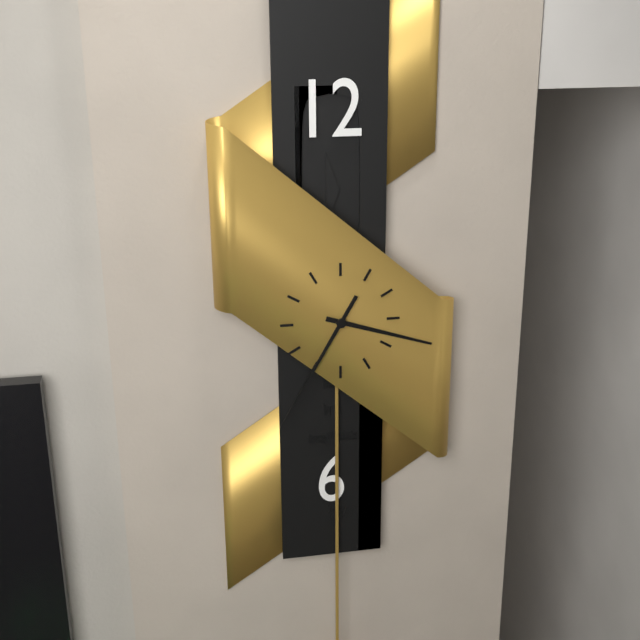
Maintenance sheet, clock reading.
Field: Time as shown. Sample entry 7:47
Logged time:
3:35
